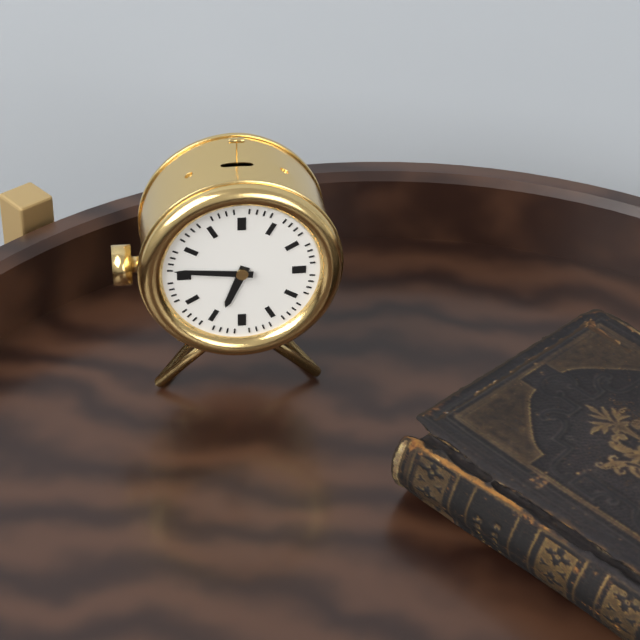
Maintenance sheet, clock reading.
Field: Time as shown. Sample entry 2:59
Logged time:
6:46
